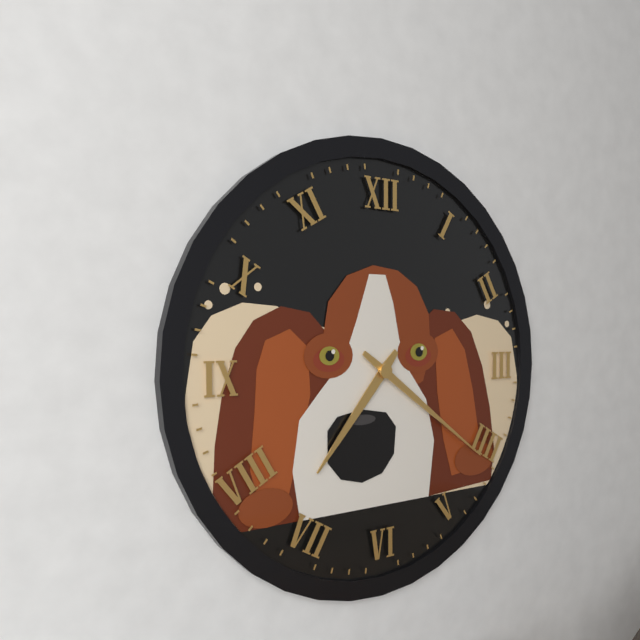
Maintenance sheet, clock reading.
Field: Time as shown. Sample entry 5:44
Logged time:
7:21
